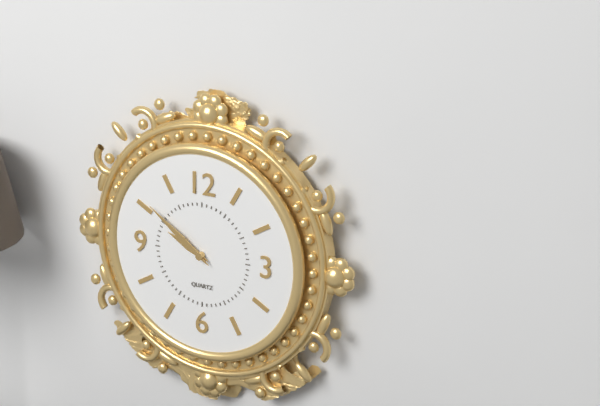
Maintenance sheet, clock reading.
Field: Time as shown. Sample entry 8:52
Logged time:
9:51
